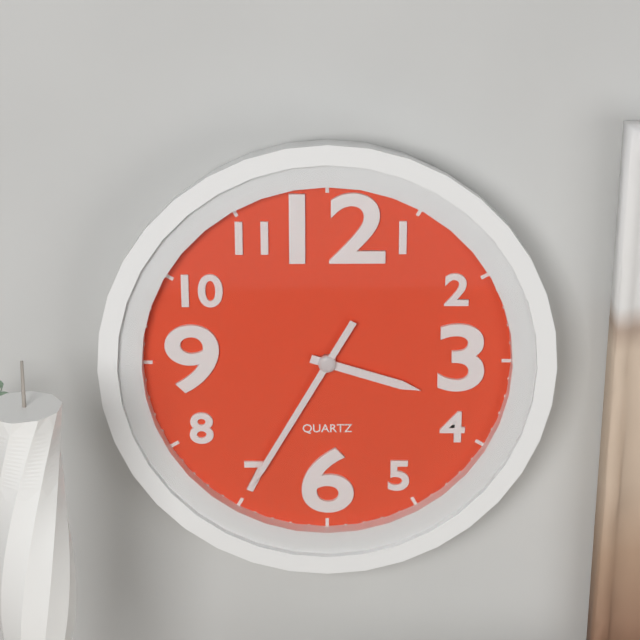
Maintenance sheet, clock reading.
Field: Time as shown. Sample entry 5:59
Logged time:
3:35
